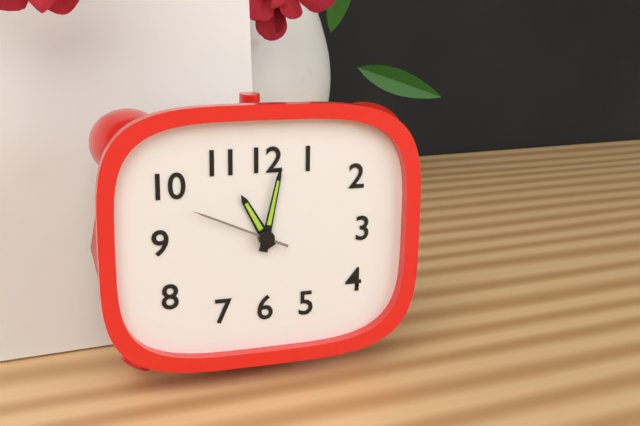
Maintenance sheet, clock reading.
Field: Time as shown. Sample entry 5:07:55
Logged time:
11:02:49
